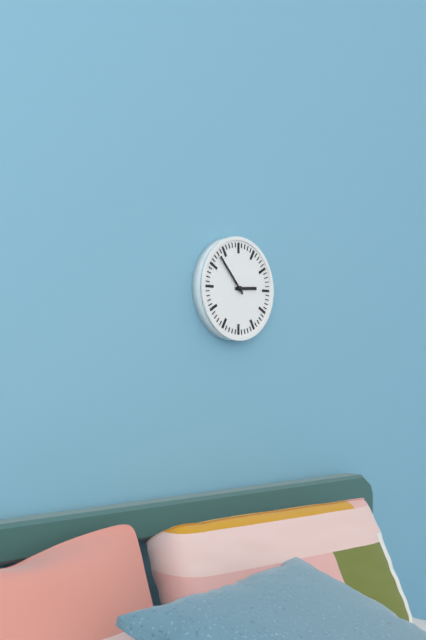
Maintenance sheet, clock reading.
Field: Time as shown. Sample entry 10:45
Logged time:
2:53
